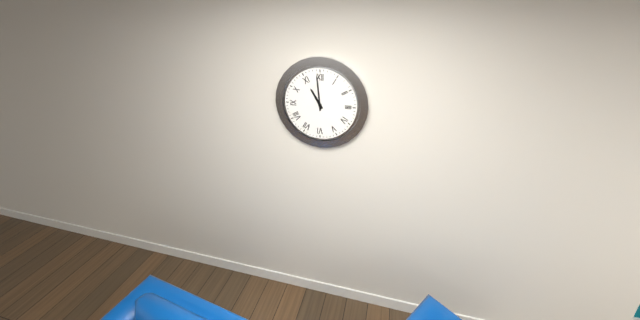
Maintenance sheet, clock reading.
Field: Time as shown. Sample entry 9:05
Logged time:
10:59
